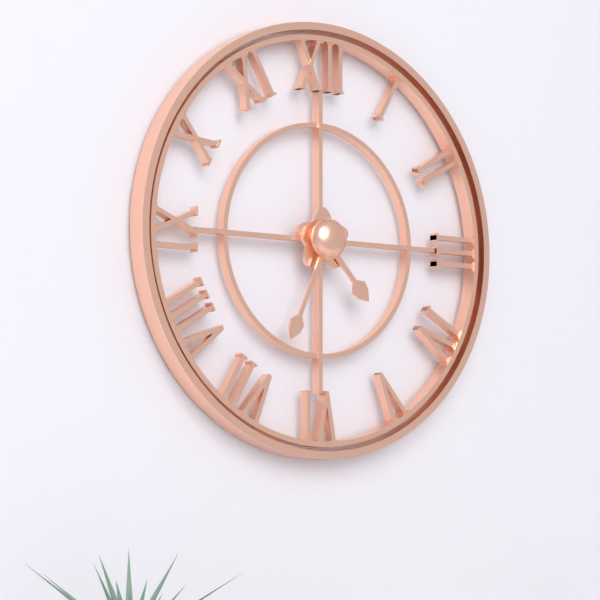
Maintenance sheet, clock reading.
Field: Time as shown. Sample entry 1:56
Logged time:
4:34
